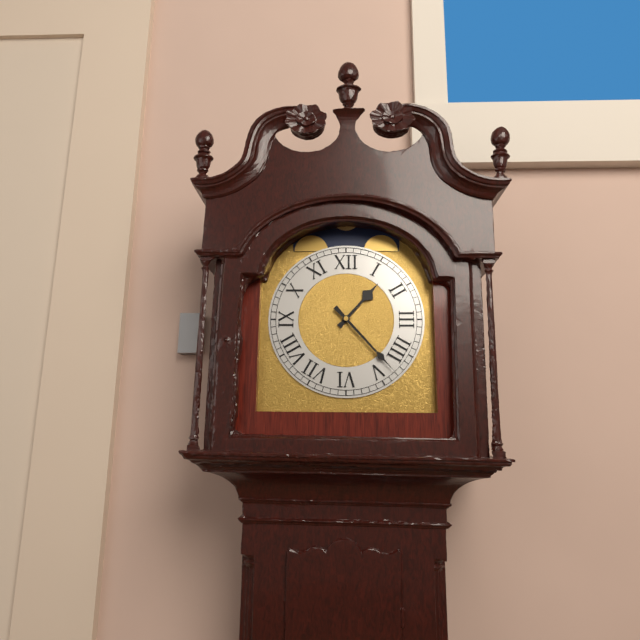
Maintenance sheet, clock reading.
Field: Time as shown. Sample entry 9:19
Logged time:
1:23
